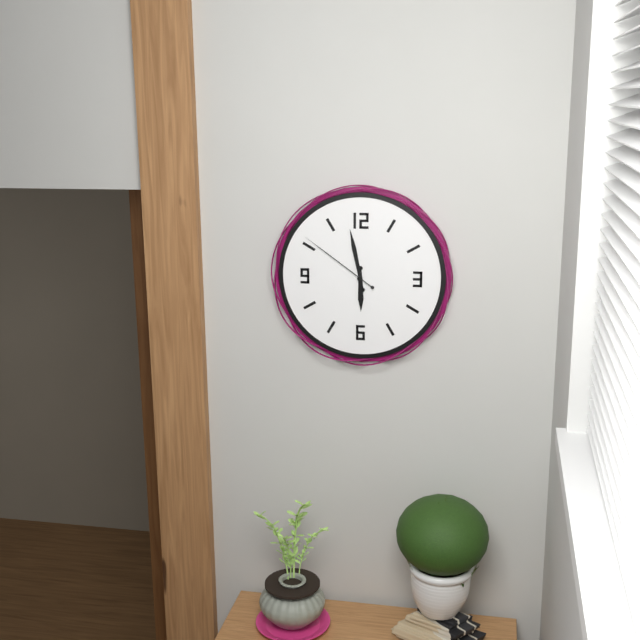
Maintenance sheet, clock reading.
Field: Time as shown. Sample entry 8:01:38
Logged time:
5:58:51
